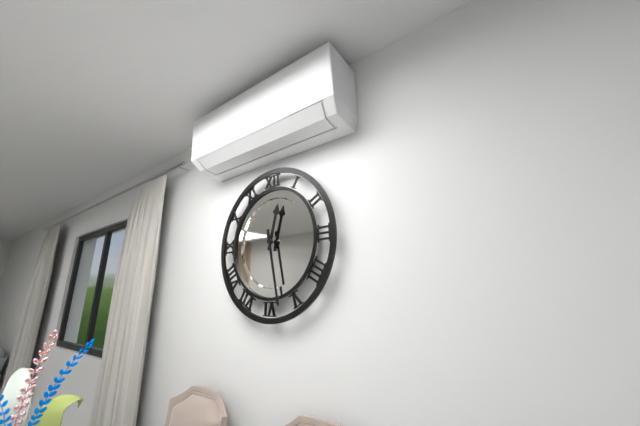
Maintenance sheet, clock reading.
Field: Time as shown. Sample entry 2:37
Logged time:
12:28
